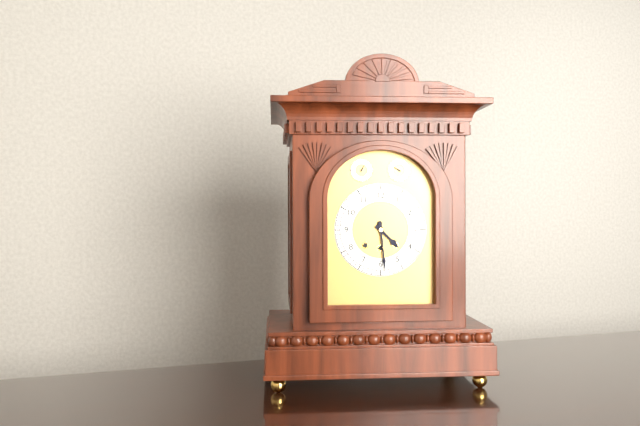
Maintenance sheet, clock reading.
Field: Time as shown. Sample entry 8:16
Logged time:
4:29
